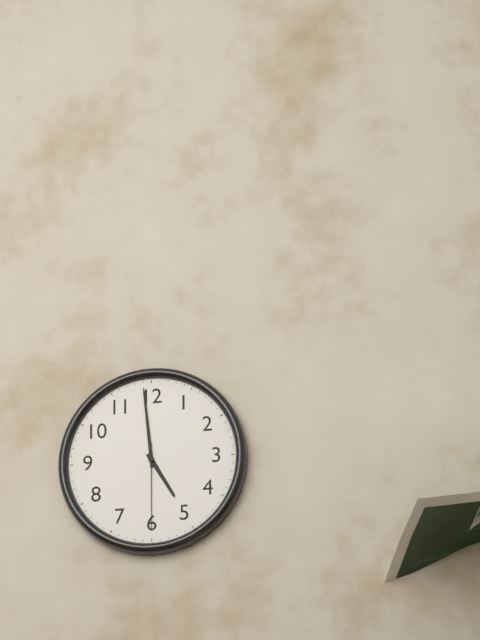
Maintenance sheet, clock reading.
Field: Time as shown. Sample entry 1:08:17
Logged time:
4:59:30
